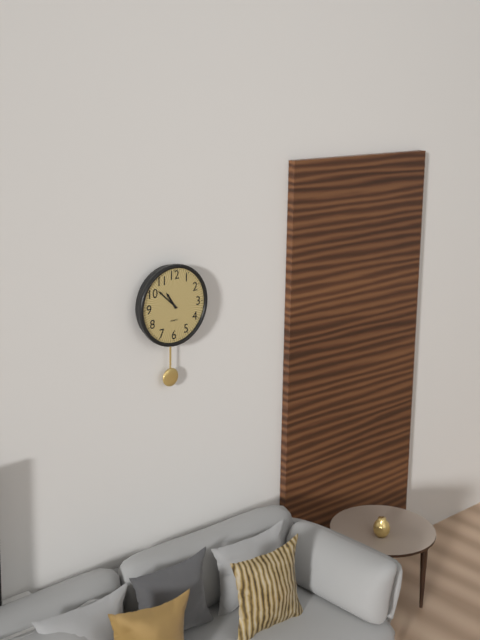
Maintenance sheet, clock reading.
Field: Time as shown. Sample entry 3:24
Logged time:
10:52
